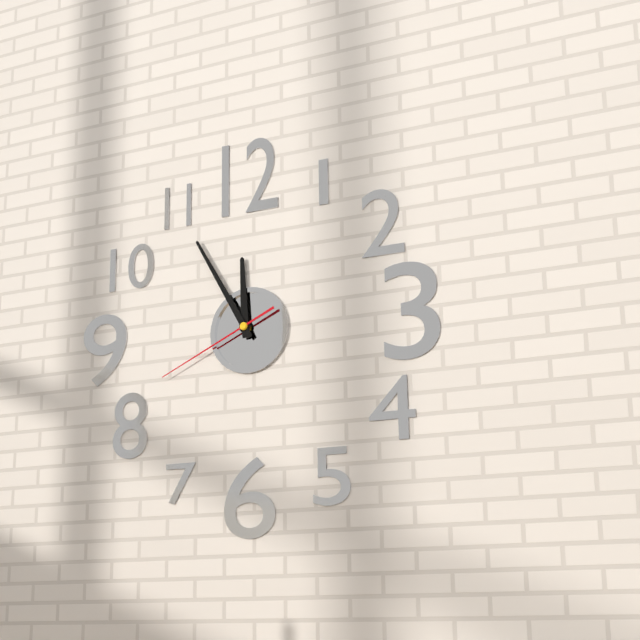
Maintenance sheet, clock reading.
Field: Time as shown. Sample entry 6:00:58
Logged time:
11:55:41
